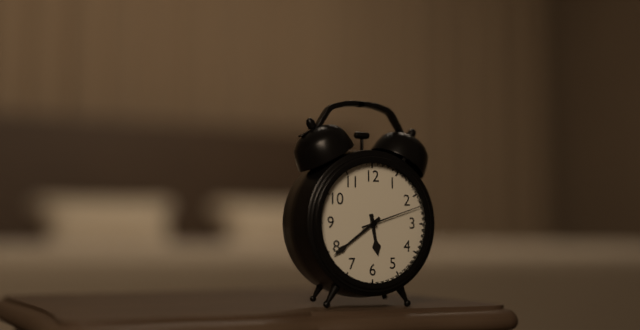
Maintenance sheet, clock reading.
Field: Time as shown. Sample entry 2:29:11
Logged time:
5:39:12
